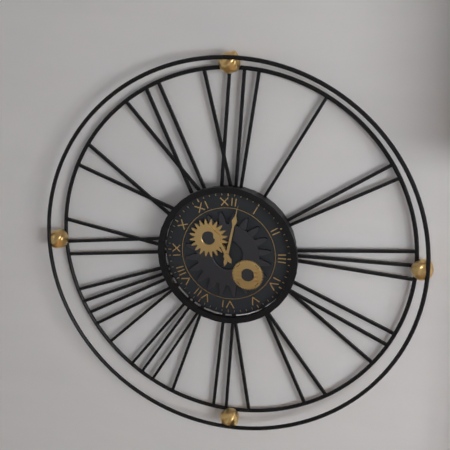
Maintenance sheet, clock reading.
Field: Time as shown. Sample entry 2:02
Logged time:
11:02
